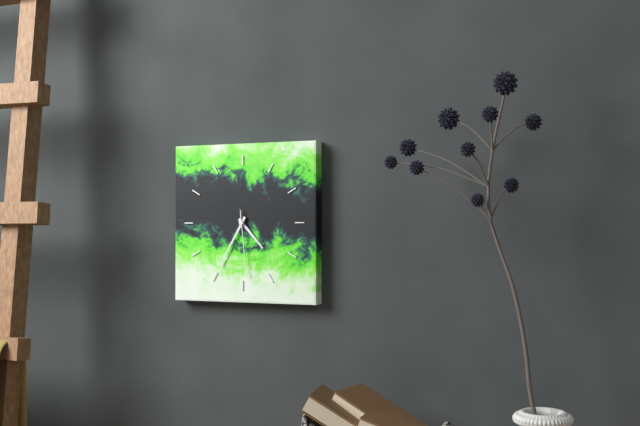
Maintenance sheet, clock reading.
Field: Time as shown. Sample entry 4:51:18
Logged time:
4:35:29
